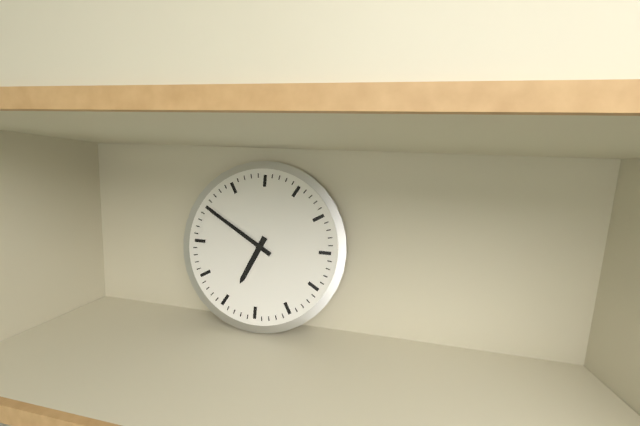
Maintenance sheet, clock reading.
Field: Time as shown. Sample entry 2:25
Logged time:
6:50
